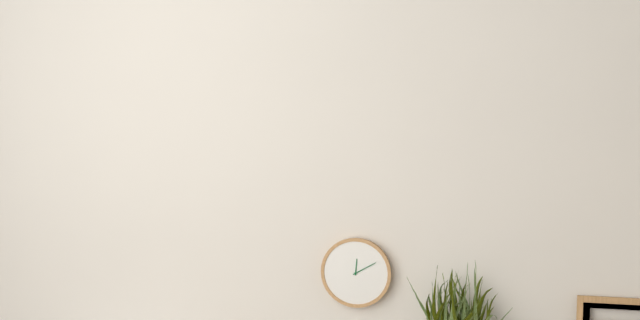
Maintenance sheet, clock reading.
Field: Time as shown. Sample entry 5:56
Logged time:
12:10
